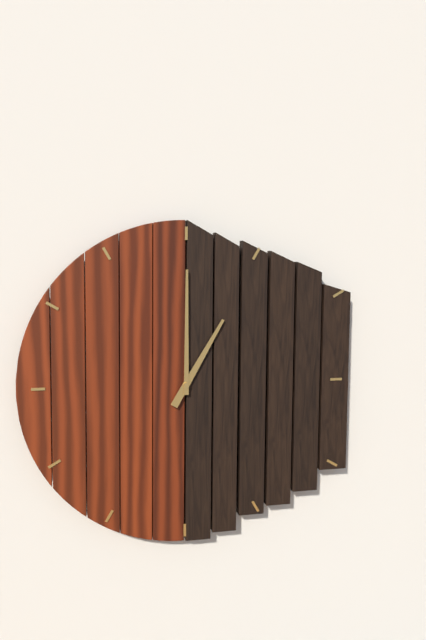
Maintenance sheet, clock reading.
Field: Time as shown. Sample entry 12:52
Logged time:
1:00
